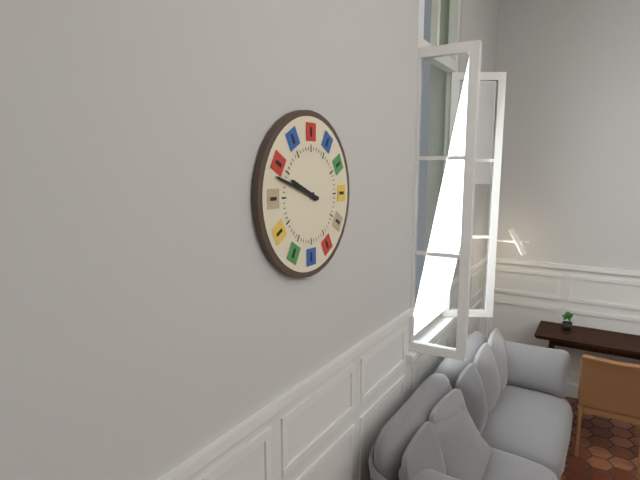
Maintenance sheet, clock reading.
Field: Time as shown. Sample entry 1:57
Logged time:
9:48
